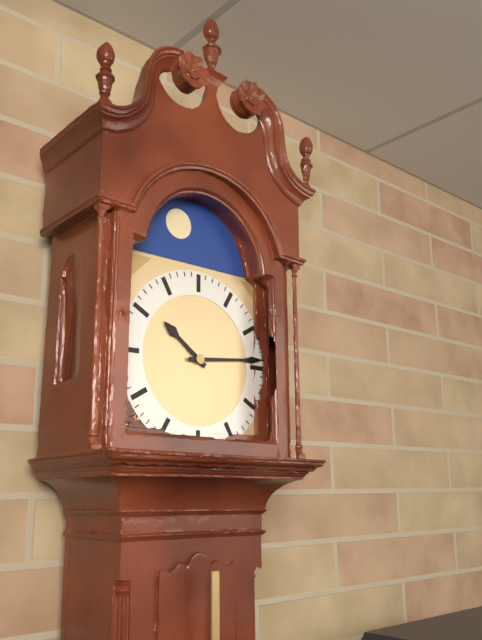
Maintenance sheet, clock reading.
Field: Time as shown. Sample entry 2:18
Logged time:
10:14
